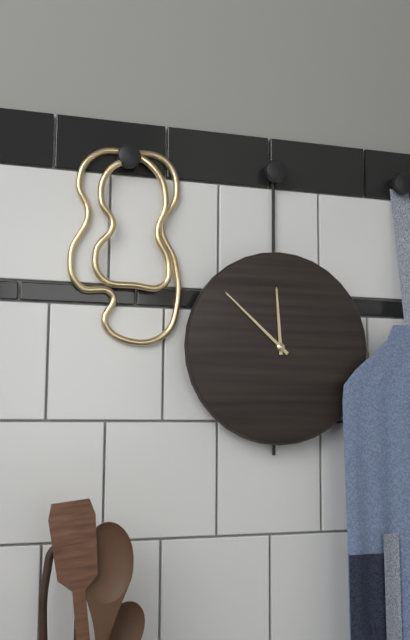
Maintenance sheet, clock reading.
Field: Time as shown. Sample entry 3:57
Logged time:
11:52
